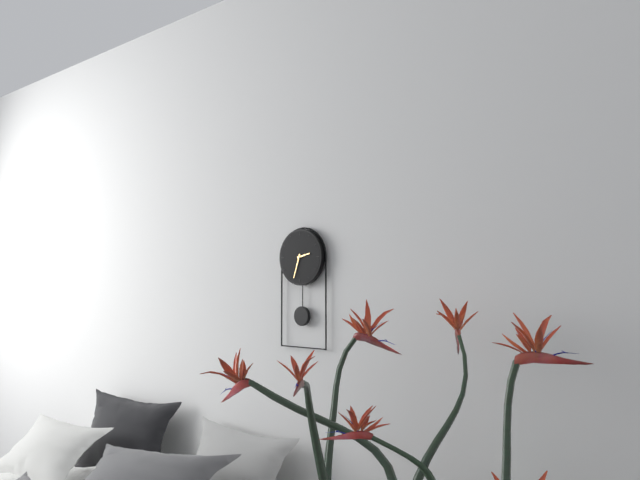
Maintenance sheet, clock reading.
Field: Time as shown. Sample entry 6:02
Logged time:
2:33
